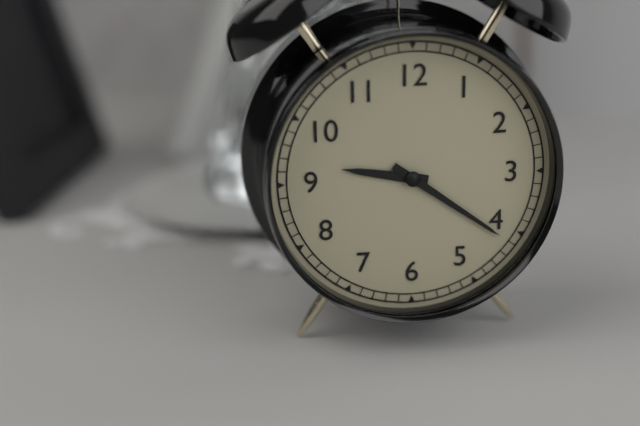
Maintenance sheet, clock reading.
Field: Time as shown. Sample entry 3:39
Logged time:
9:21
